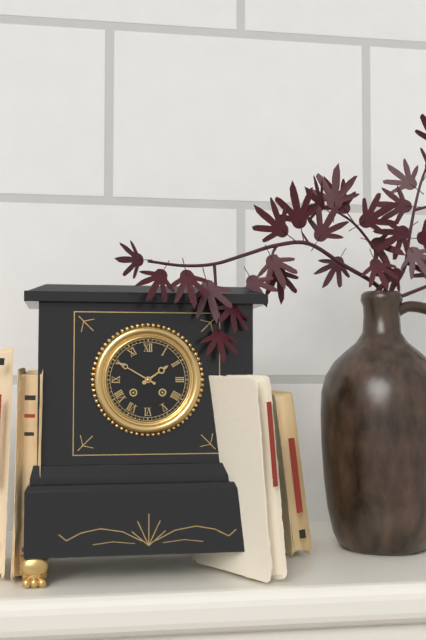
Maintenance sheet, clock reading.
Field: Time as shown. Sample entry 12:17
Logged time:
1:50
